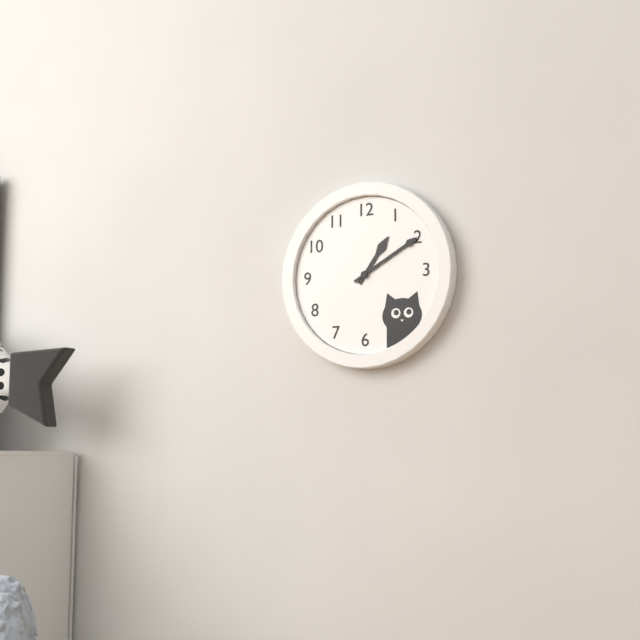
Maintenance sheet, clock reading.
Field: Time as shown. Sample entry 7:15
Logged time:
1:10
